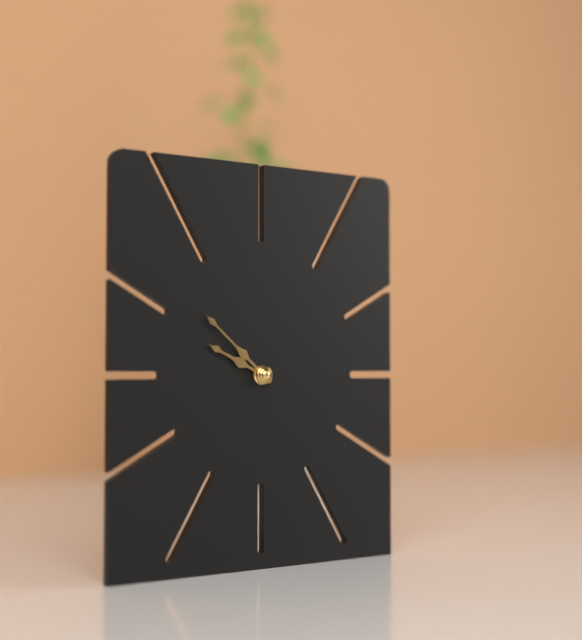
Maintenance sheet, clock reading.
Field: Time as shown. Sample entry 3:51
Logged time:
9:52
